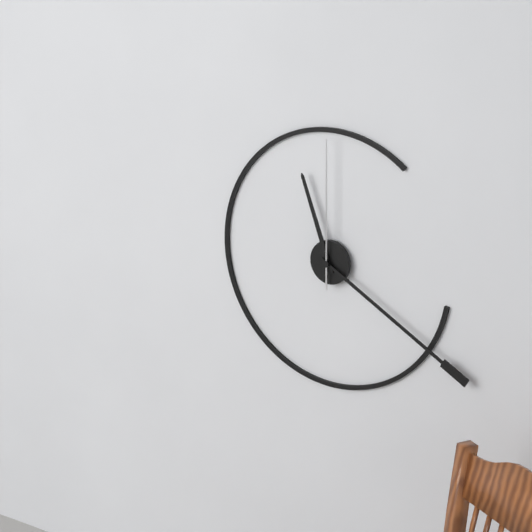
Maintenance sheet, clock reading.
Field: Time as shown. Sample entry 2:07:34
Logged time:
11:20:00
